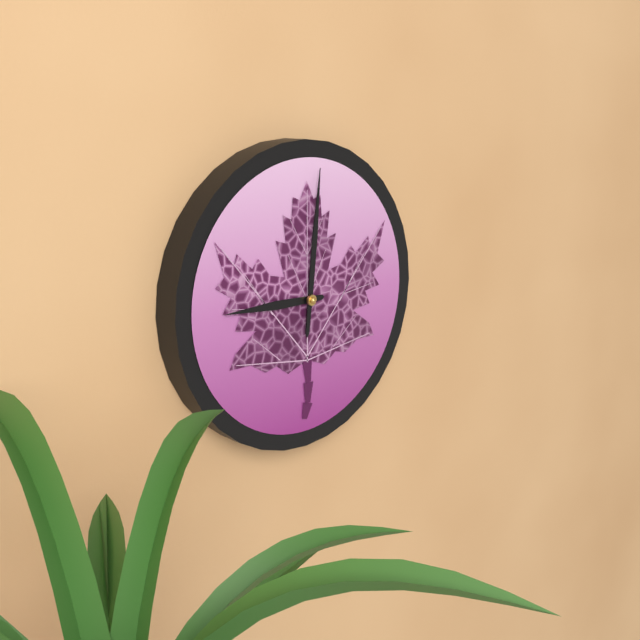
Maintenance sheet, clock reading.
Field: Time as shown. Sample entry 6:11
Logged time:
9:01
